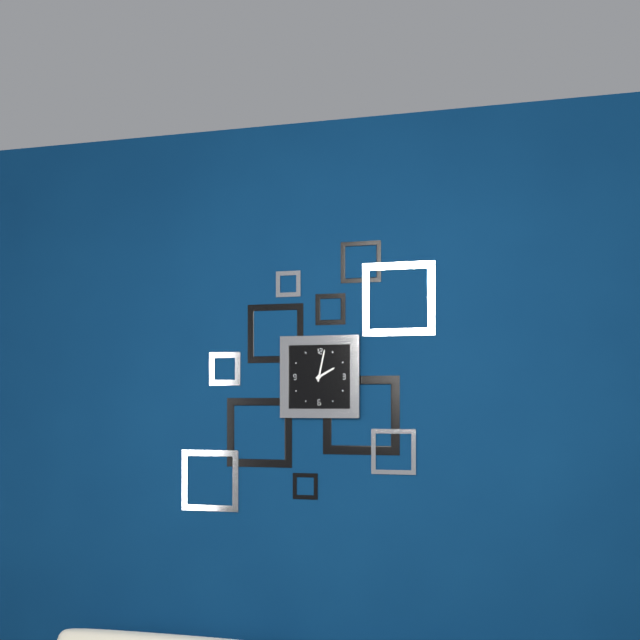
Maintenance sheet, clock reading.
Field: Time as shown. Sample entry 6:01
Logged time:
2:02
